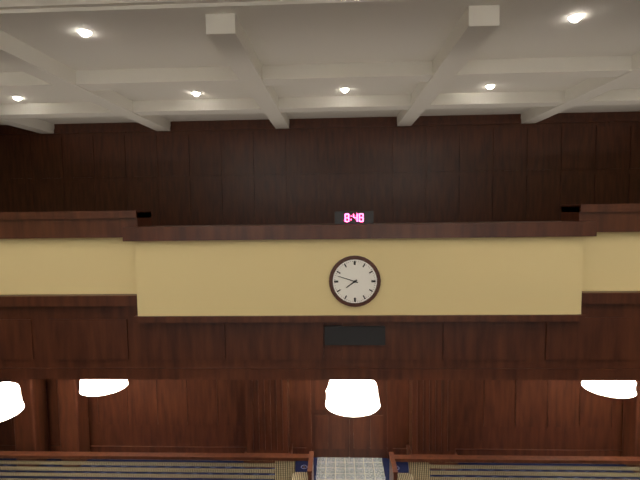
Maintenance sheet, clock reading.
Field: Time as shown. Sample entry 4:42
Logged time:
7:48
